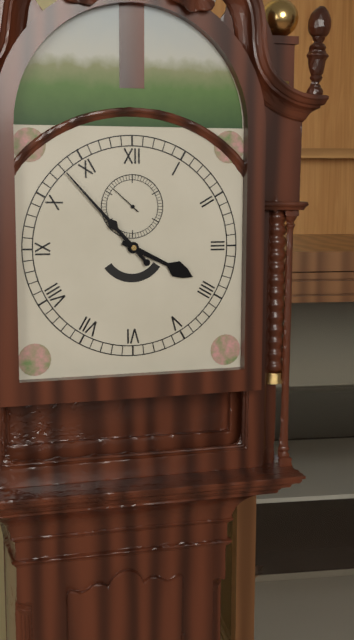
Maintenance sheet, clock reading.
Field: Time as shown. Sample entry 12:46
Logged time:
3:53
